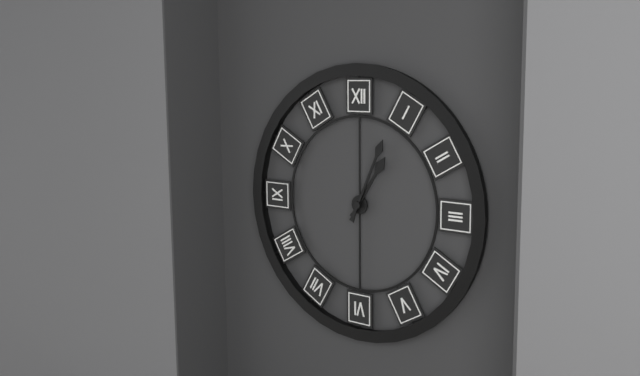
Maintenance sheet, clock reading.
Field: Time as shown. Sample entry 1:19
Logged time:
1:04
